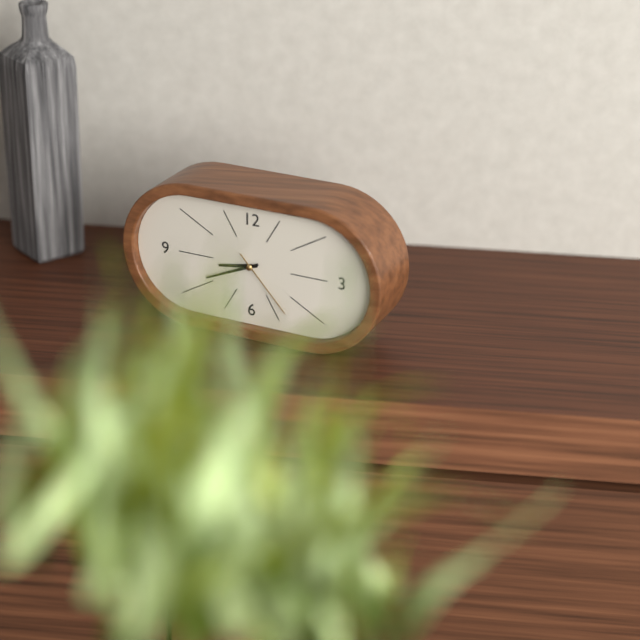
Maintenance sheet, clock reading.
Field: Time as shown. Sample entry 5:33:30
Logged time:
8:41:23
